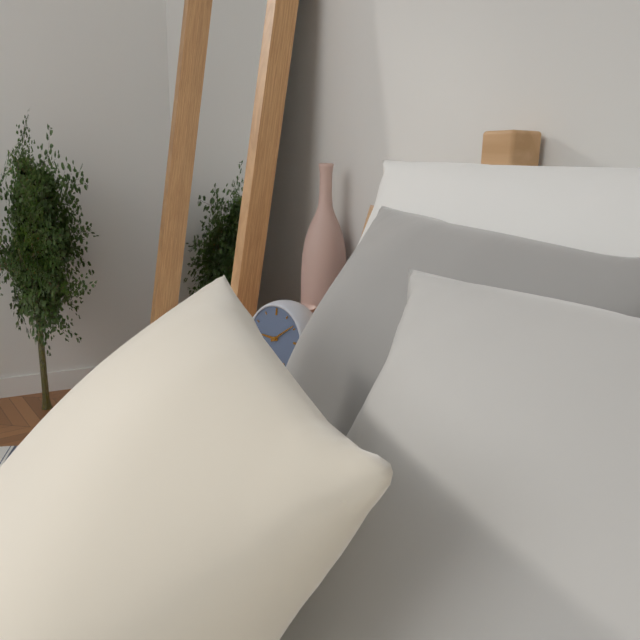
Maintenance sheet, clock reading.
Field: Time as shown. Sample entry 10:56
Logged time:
9:09
